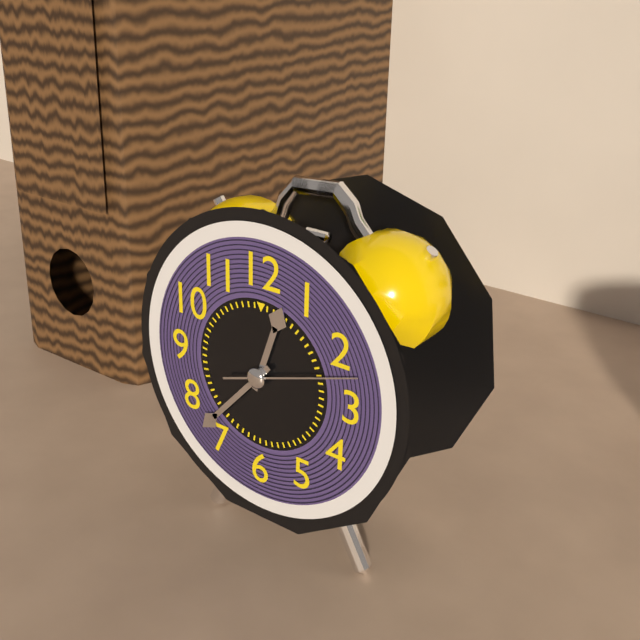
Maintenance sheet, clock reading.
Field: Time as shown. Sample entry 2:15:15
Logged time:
12:37:12
